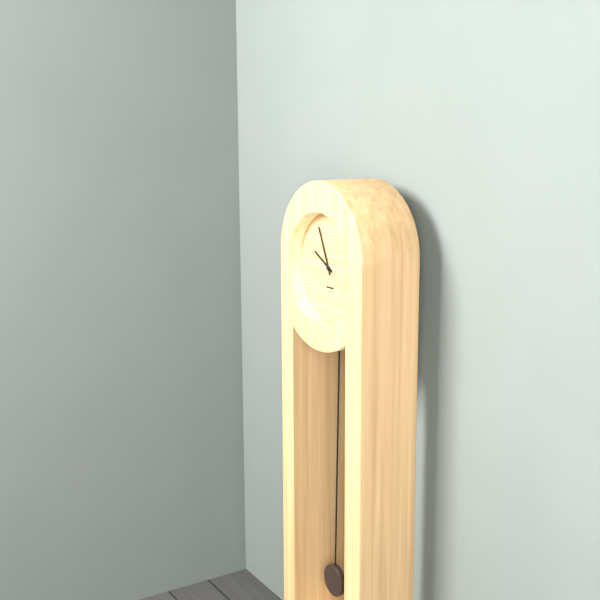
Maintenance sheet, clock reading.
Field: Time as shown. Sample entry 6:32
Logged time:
9:56
